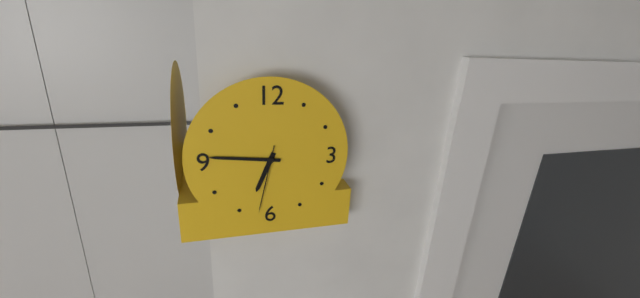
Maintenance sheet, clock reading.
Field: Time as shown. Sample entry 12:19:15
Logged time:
6:46:32
